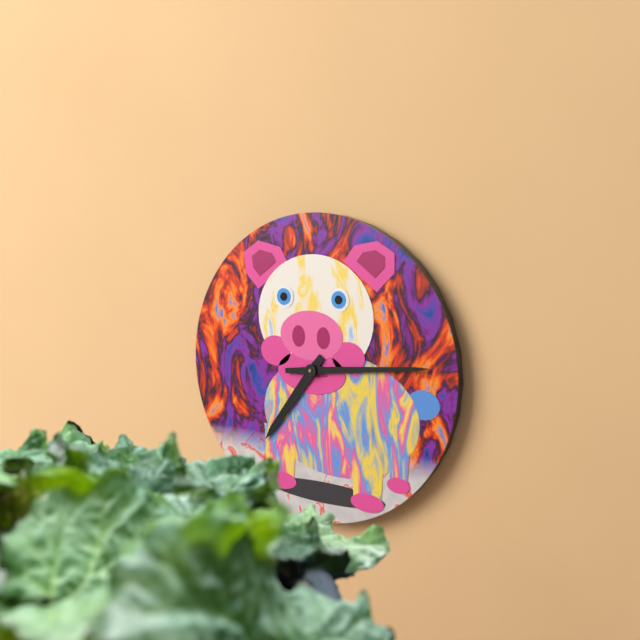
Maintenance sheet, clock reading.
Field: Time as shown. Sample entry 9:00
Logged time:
7:14
